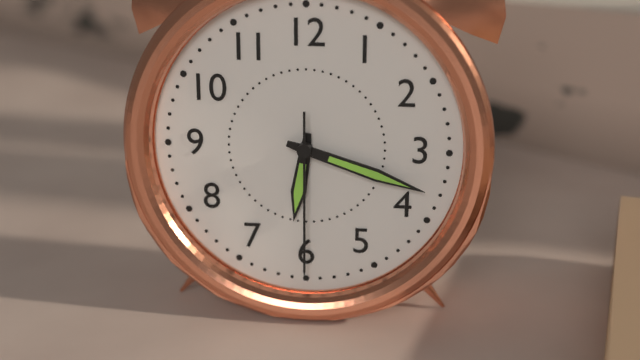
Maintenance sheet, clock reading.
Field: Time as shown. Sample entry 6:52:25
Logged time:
6:18:30
